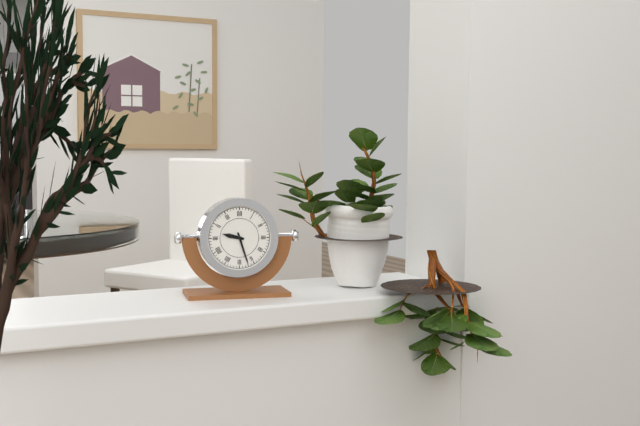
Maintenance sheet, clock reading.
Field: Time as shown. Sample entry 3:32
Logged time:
9:27
